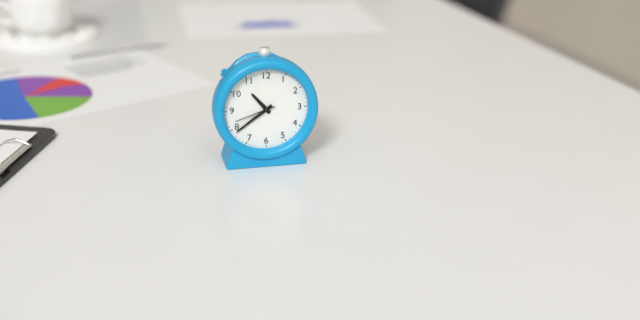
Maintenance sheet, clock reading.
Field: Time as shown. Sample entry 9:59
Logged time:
10:39
